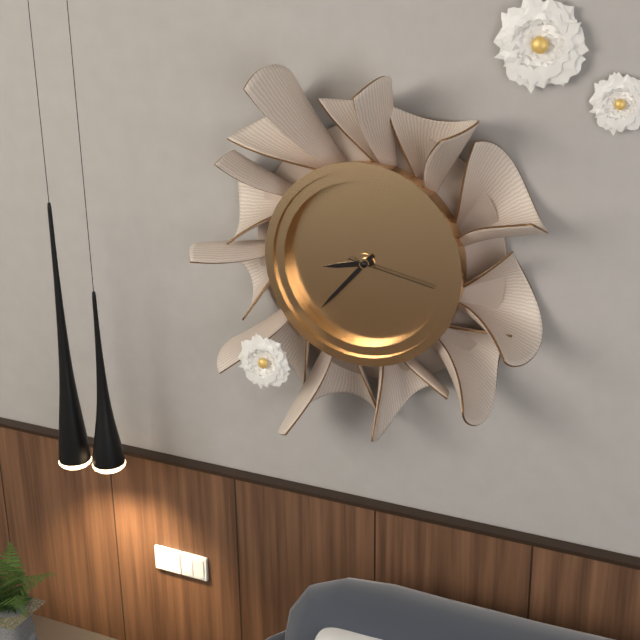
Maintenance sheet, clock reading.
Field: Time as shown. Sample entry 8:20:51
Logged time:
8:37:17
